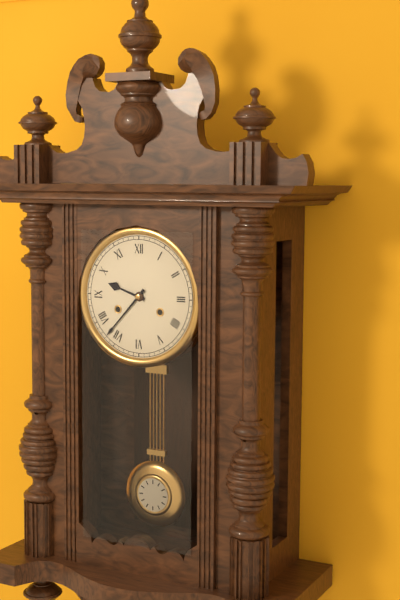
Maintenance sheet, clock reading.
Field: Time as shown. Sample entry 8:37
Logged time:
9:37
